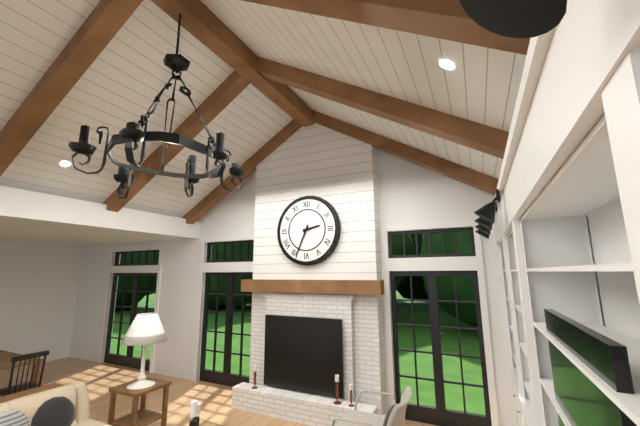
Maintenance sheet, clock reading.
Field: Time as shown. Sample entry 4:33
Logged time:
2:34
